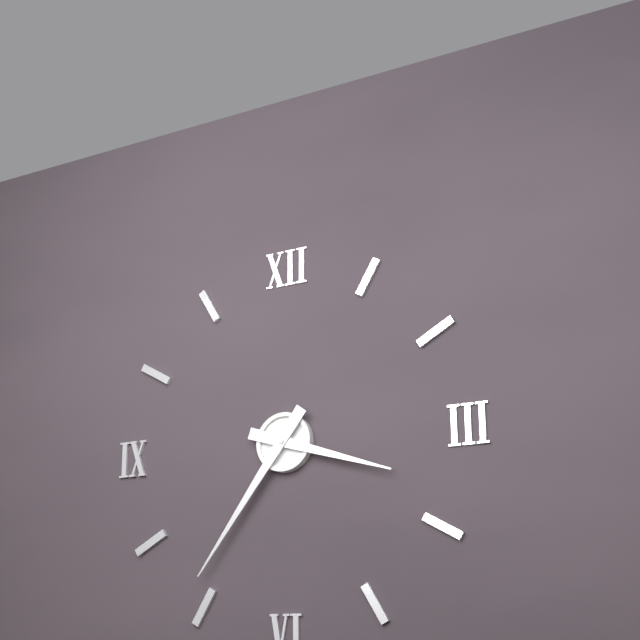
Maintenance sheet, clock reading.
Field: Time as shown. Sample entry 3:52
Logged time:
3:36
